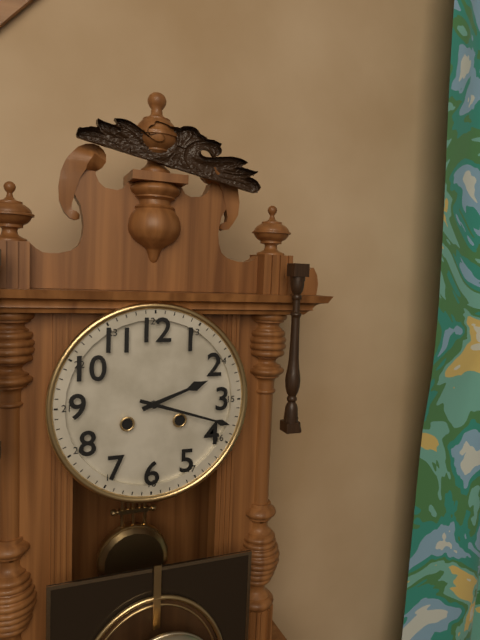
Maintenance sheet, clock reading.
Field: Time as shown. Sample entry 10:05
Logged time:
2:18
